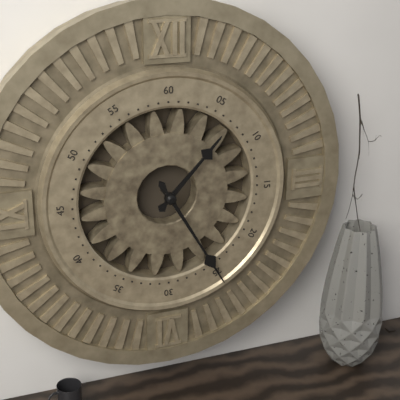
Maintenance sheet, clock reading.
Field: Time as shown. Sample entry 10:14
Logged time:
1:25
